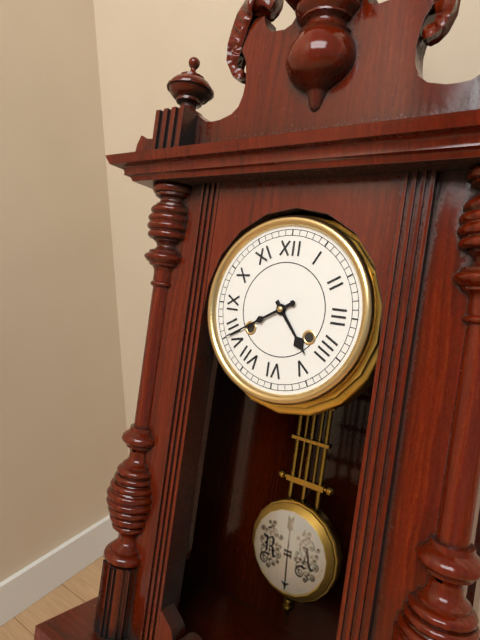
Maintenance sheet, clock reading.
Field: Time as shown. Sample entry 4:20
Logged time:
4:40
